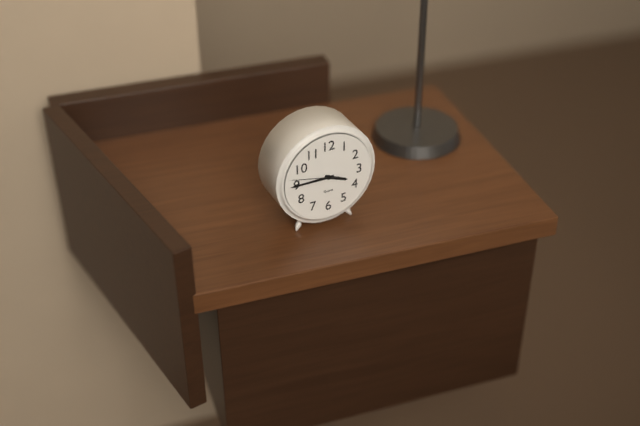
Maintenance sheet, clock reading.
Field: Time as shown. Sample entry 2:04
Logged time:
3:45
